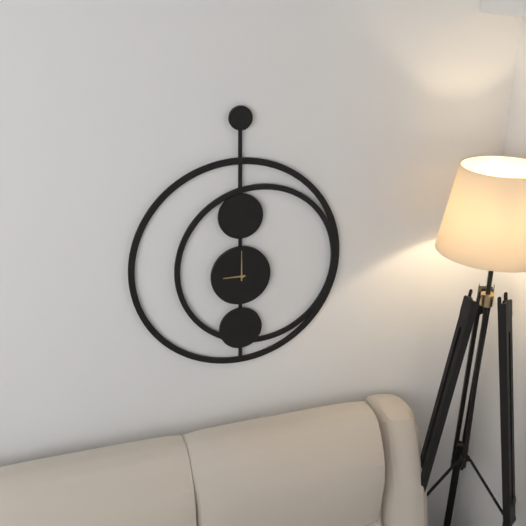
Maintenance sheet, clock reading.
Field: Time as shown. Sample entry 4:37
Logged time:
9:00
